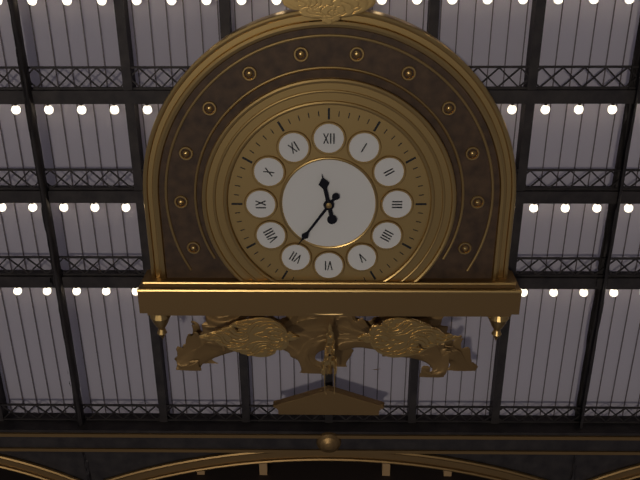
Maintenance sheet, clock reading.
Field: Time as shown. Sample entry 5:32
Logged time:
11:36
